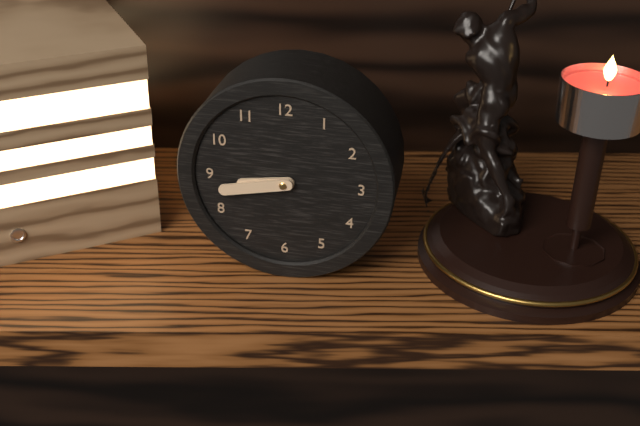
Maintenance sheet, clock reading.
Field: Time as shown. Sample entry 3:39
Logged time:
8:43
